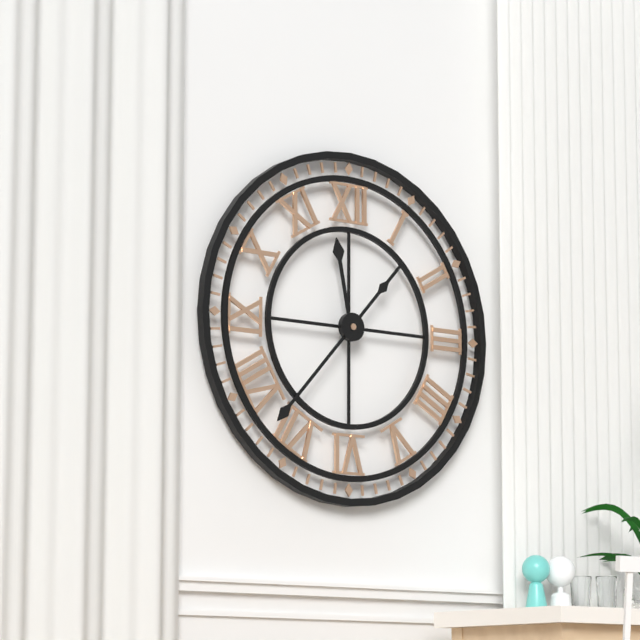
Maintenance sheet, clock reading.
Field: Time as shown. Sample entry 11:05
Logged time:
11:37
